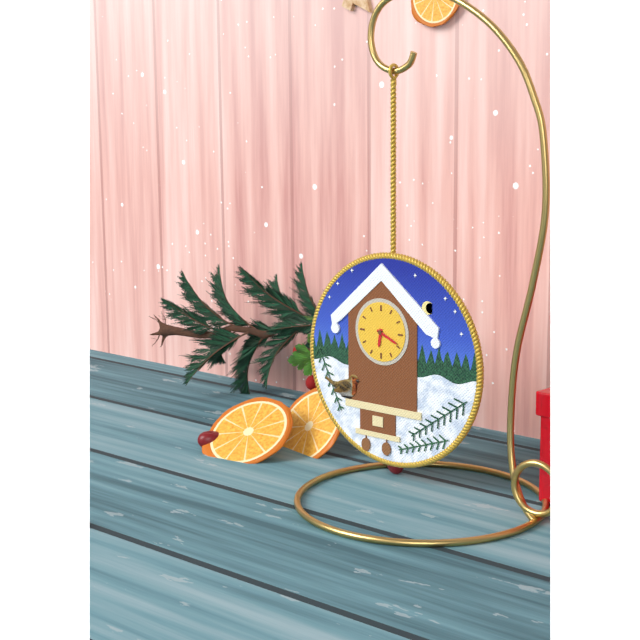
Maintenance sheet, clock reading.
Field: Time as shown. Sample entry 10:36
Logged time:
6:19
